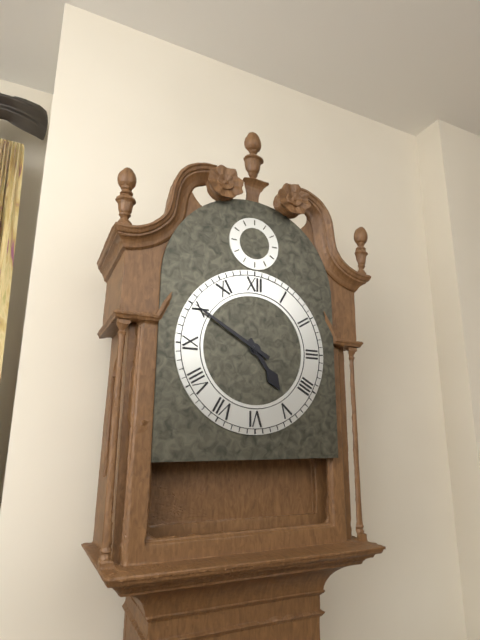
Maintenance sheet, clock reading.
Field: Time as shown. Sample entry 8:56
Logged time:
4:50
